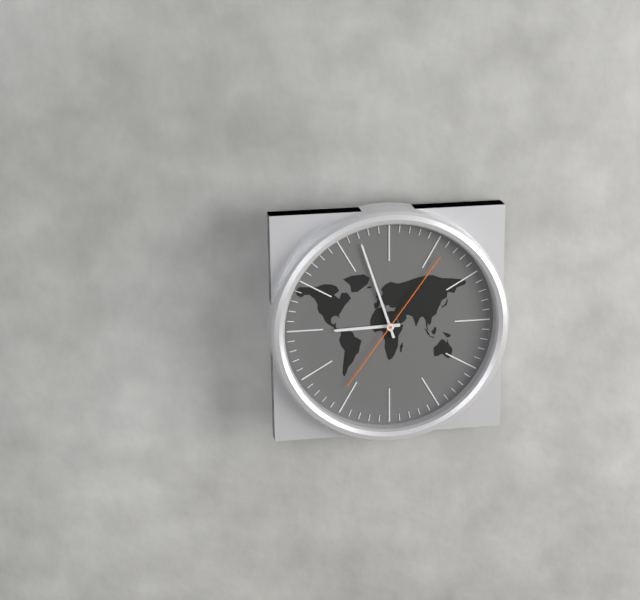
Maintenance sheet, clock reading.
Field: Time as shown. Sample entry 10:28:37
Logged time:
8:57:06
